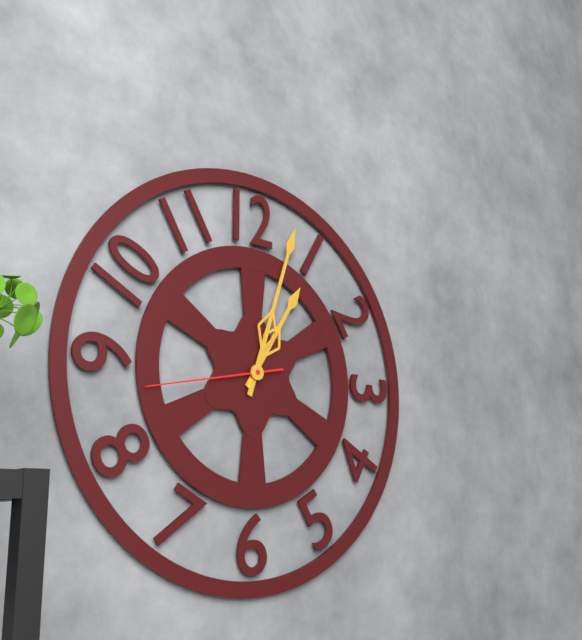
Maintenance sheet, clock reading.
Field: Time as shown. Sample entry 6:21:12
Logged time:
1:03:43
